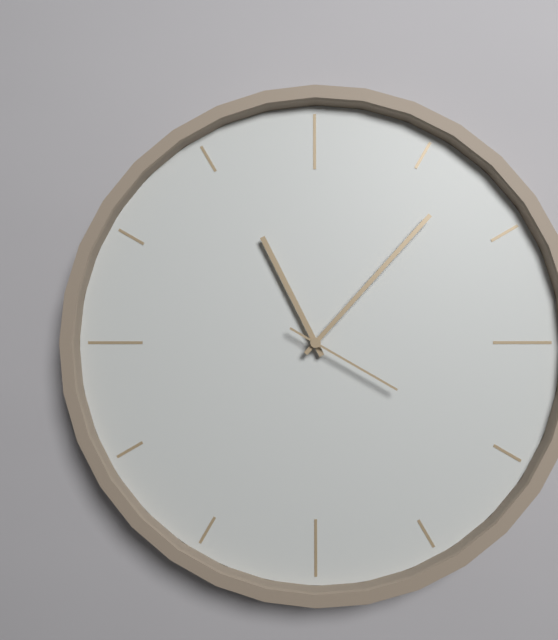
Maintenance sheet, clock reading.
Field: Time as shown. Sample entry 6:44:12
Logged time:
11:07:20
